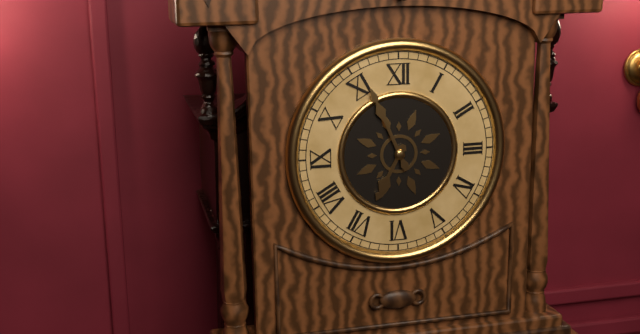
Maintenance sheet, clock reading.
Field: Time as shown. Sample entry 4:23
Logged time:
6:56
